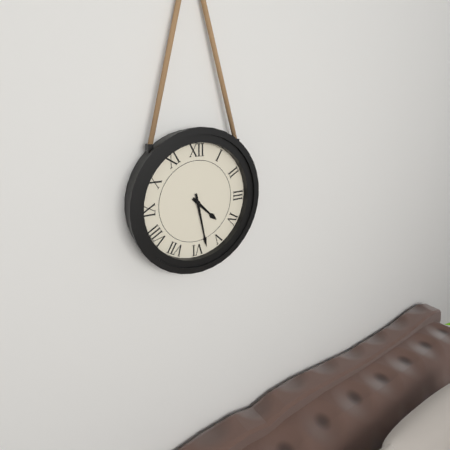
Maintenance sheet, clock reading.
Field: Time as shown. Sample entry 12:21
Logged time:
4:28
